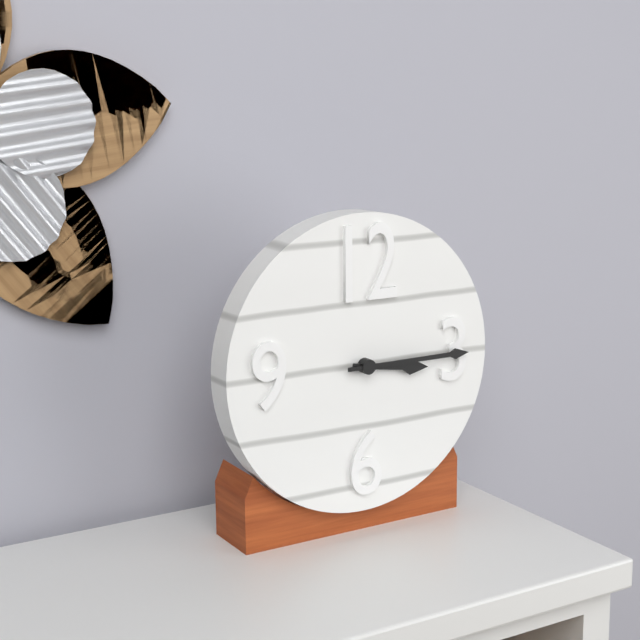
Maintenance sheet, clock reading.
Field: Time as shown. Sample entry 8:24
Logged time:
3:15
